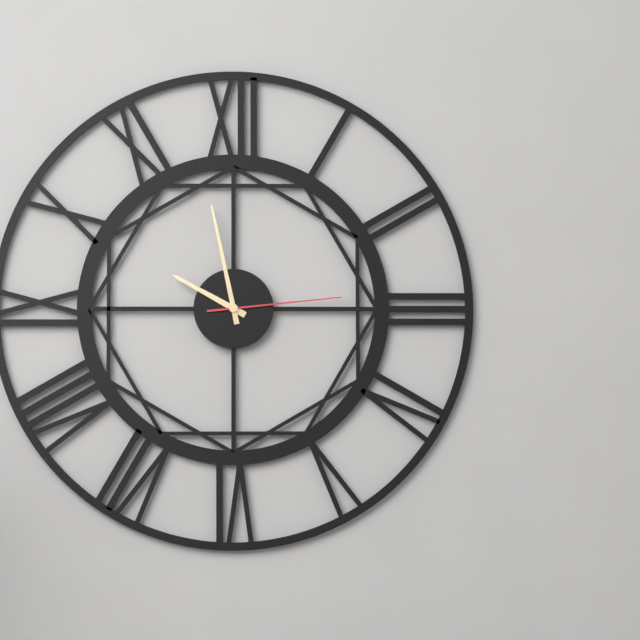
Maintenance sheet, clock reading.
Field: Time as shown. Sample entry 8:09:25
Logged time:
9:58:14
